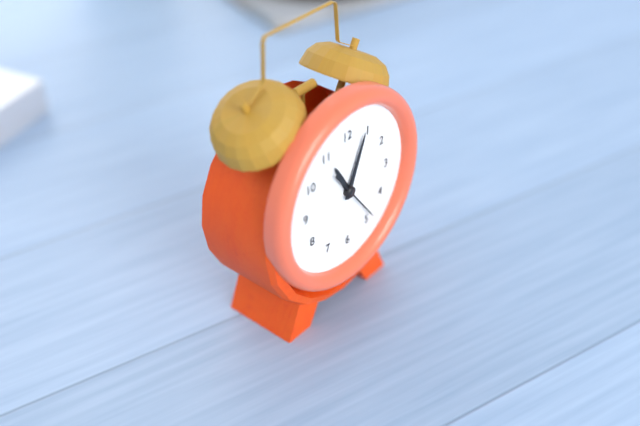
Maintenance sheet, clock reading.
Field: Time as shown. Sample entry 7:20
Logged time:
11:04
